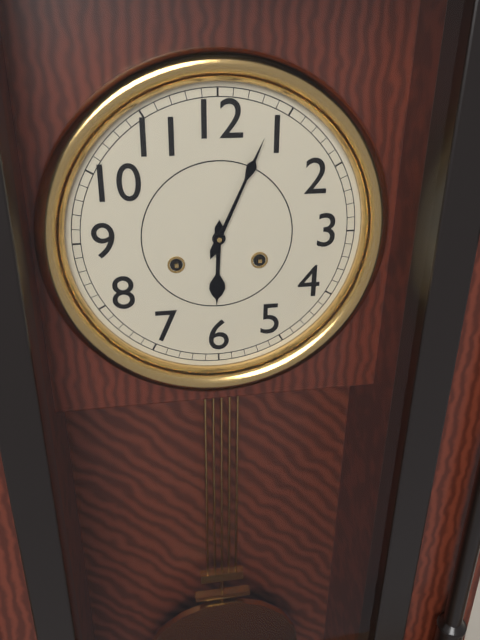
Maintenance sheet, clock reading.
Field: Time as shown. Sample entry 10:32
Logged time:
6:04
